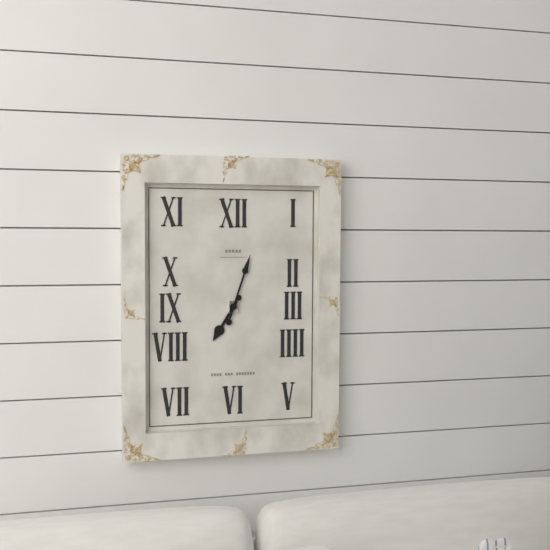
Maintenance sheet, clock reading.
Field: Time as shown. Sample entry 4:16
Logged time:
7:03
